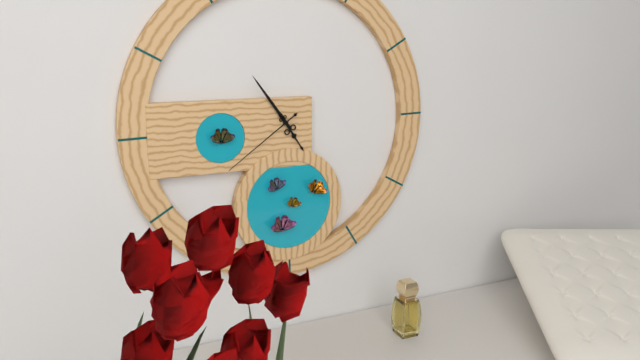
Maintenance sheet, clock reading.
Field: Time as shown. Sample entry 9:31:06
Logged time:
4:54:39
